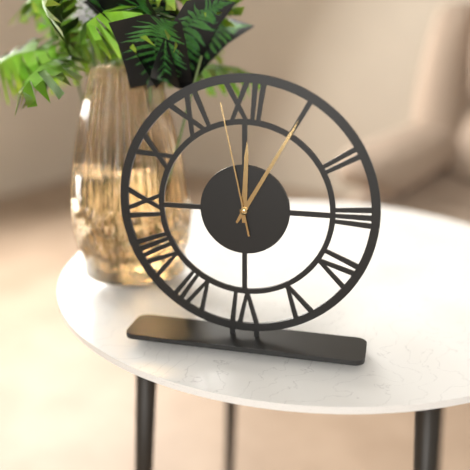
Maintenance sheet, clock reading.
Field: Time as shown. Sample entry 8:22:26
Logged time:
12:05:58
